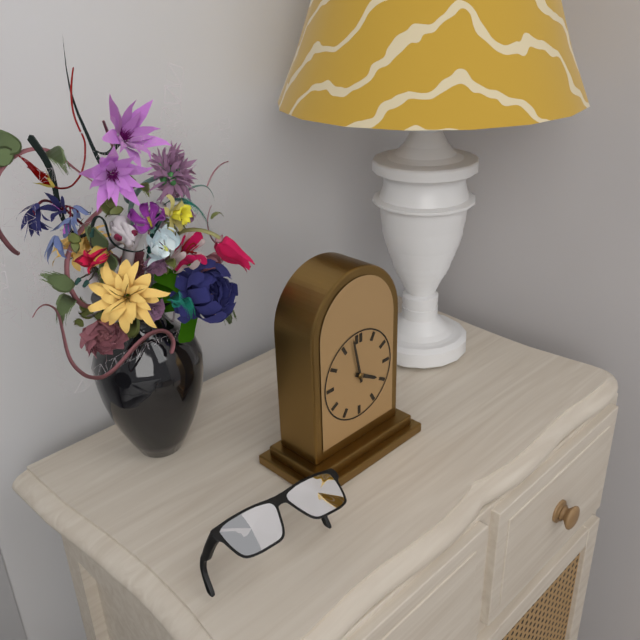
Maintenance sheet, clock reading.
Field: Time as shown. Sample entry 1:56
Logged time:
3:58
